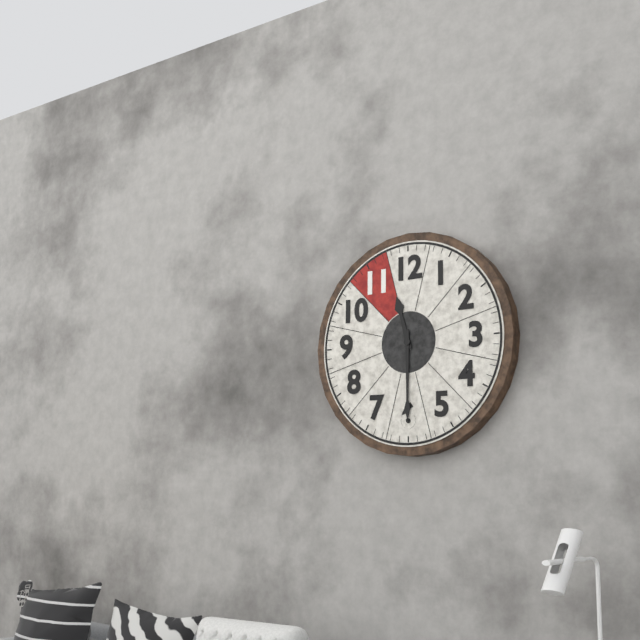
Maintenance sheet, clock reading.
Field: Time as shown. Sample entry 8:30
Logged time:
11:30
